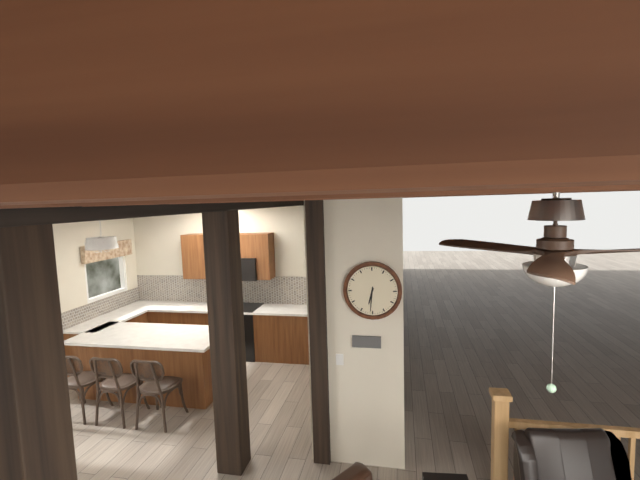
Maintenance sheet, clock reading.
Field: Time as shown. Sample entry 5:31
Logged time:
6:31
